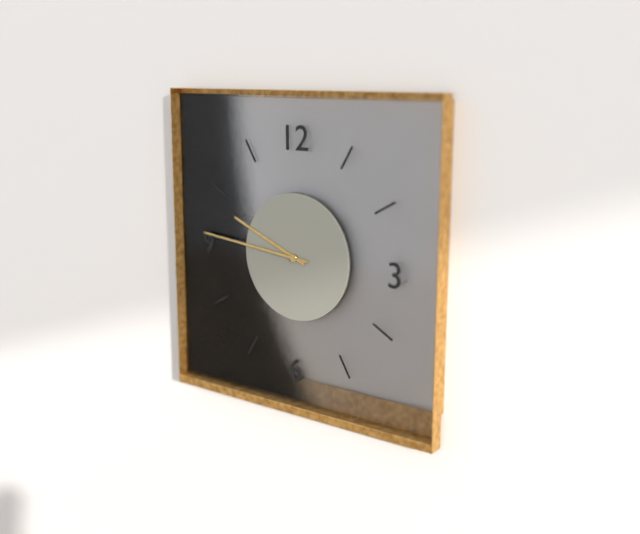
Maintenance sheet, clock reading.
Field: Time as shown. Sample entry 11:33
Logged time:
9:46
